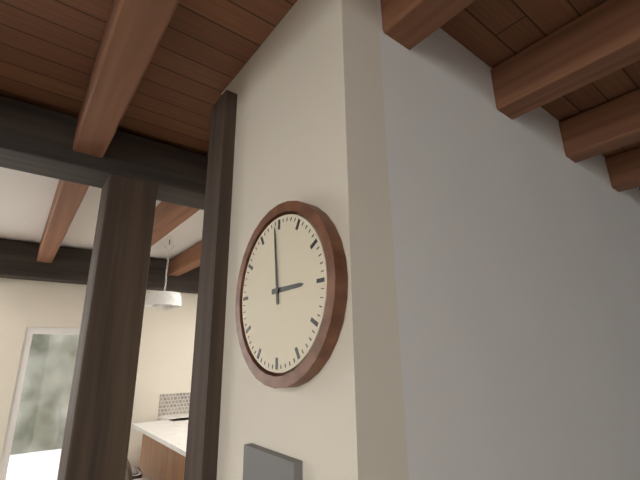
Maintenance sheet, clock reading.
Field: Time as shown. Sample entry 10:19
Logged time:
2:59
